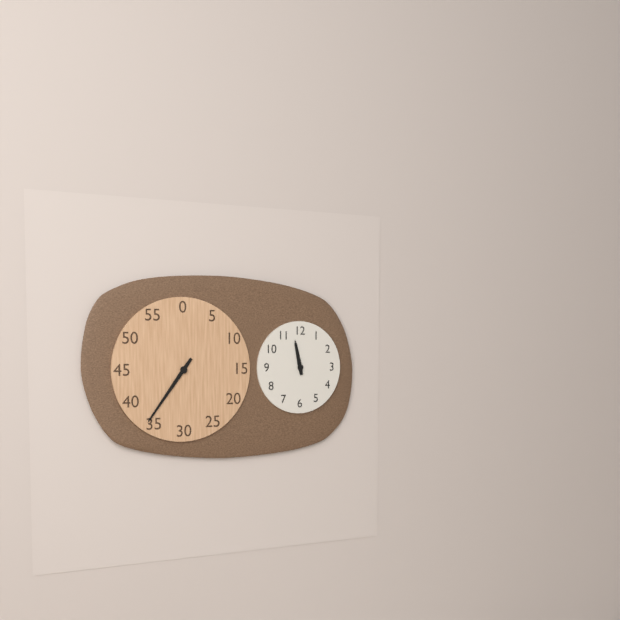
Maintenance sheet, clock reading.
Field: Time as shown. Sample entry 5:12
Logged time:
11:36
